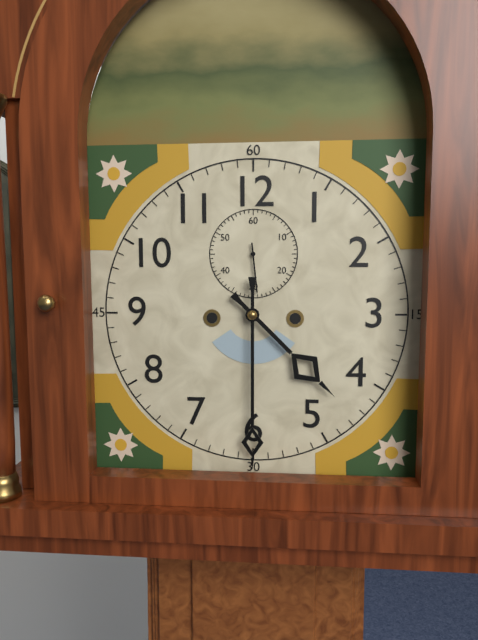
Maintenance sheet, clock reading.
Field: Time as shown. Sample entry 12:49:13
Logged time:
4:30:29
